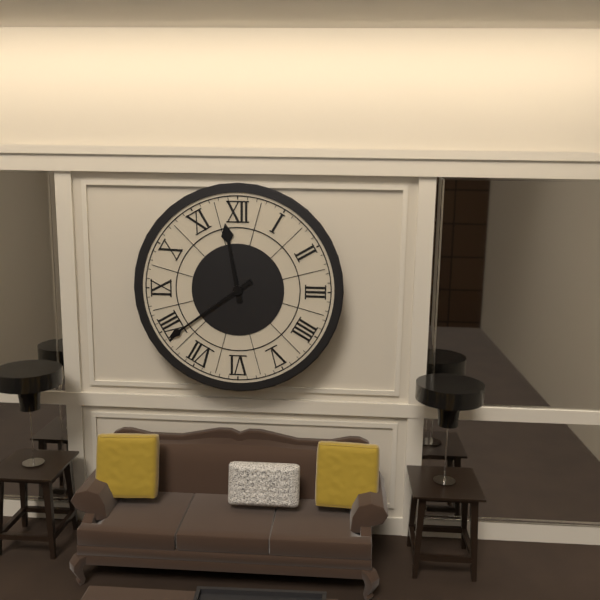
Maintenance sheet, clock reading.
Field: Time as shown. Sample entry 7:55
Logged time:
11:39
